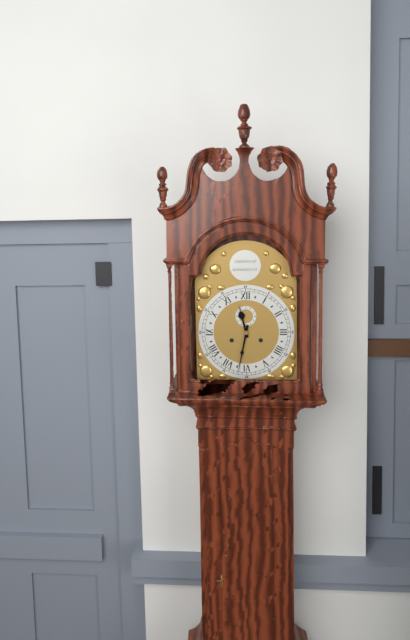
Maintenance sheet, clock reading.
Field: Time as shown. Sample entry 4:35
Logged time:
11:32
